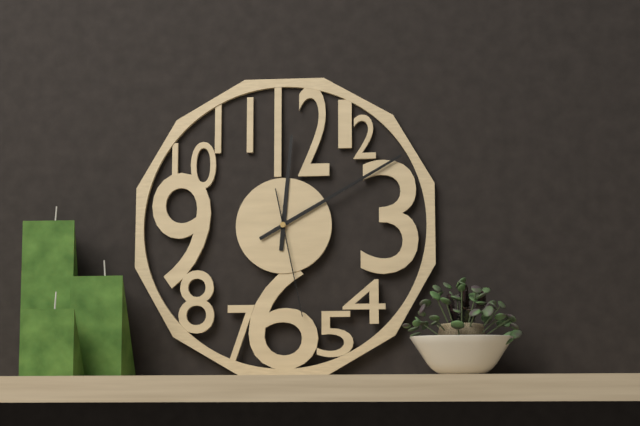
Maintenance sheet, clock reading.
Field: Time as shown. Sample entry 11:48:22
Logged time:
12:10:28
